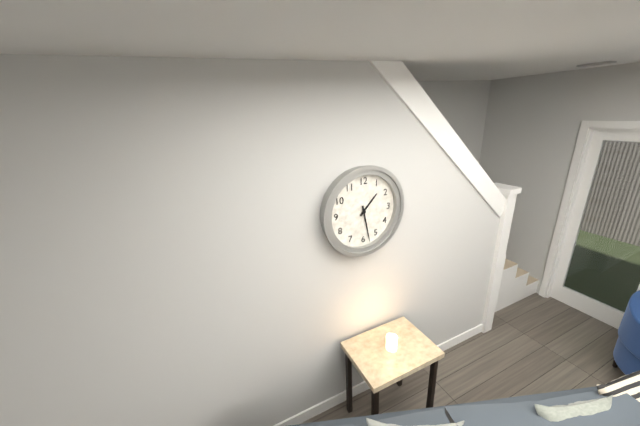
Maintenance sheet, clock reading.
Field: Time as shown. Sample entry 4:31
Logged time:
1:28
